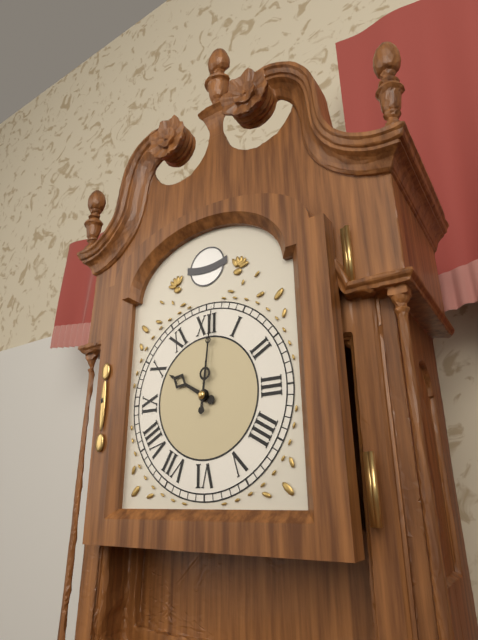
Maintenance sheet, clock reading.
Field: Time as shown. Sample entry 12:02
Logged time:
10:01
